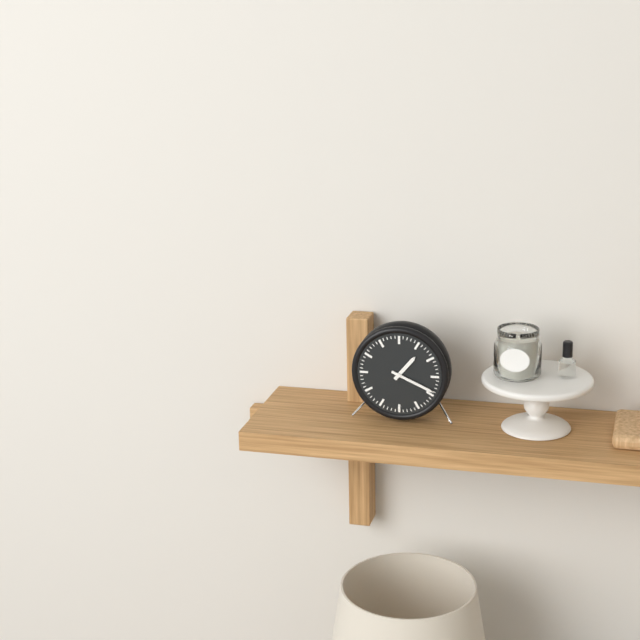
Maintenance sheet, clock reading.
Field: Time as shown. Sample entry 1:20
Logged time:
1:19
